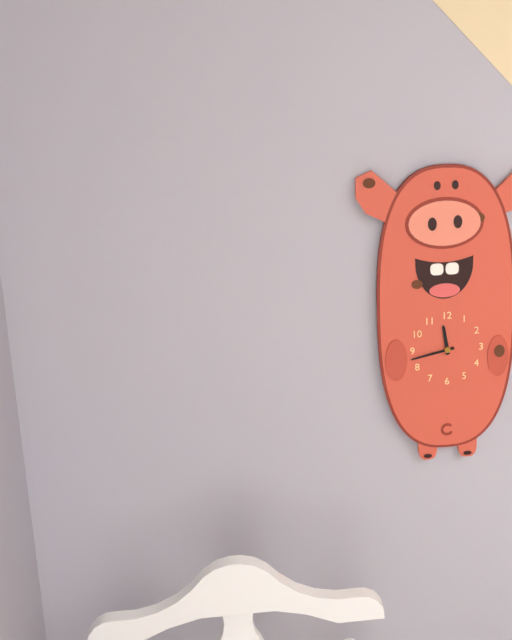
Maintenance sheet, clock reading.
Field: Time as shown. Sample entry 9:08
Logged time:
11:43
